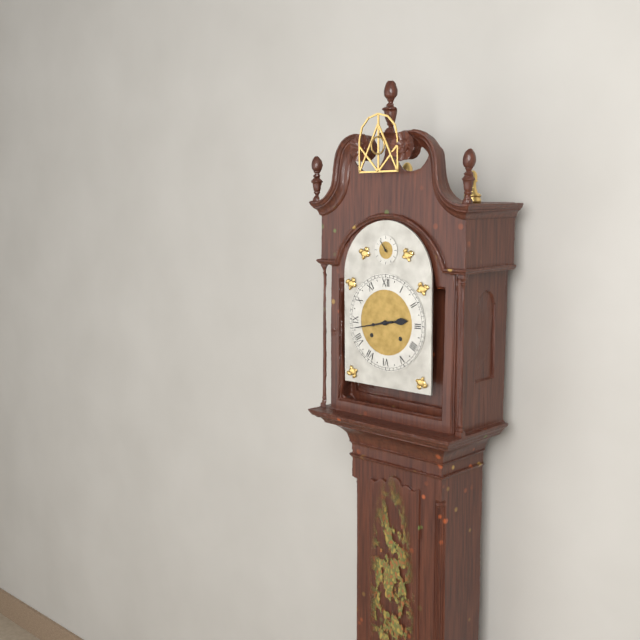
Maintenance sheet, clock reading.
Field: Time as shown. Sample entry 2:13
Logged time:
2:43
